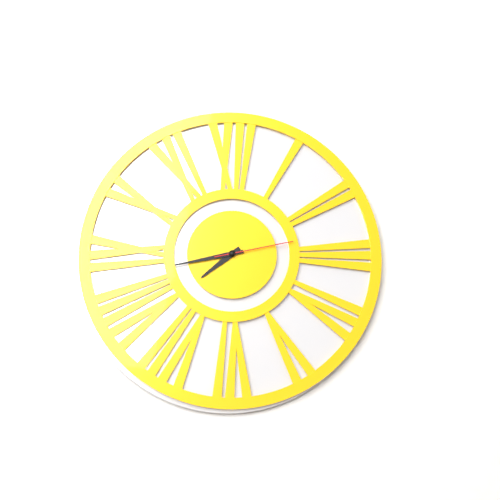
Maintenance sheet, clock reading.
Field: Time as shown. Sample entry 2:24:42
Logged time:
7:43:13
